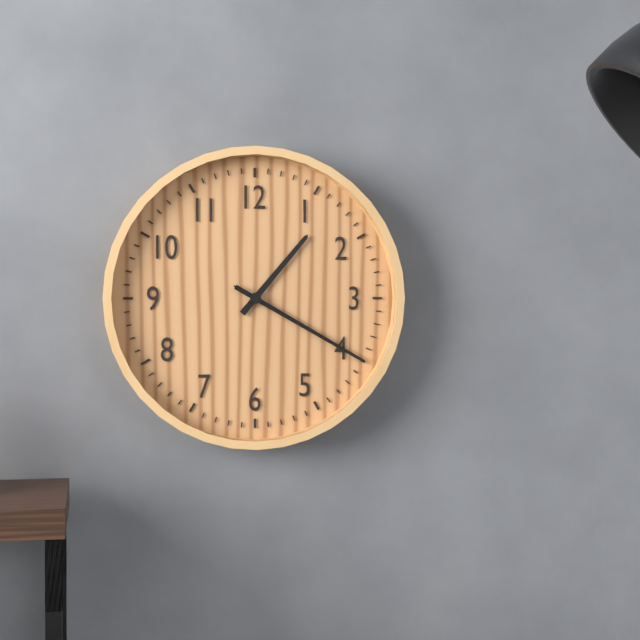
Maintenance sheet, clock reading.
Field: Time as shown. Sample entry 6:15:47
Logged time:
1:20:20
